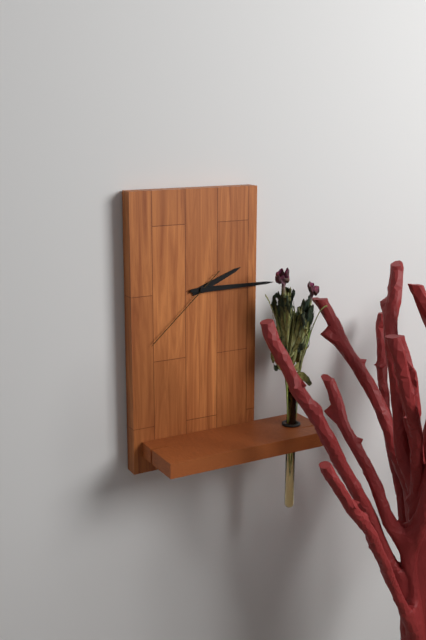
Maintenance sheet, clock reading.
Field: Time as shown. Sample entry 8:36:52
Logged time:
2:15:38
